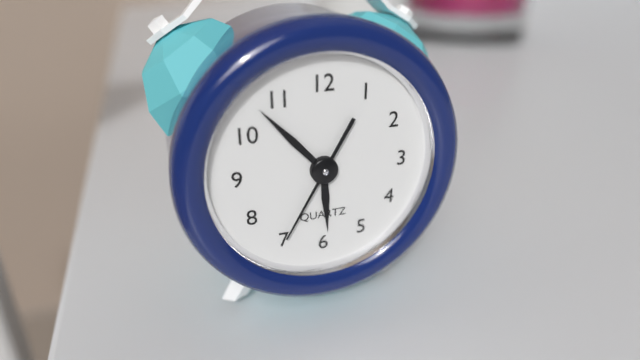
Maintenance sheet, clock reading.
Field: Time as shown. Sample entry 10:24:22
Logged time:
5:53:35
